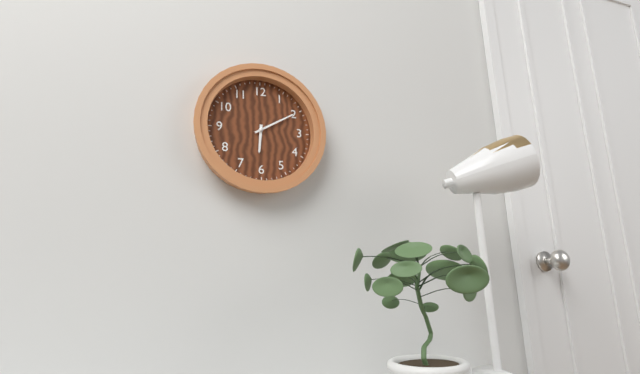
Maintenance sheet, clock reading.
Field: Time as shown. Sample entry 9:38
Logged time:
6:10
